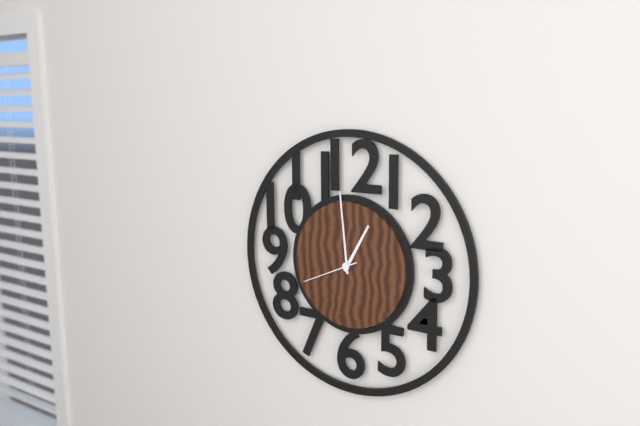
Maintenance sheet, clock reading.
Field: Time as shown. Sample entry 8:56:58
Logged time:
12:59:41
